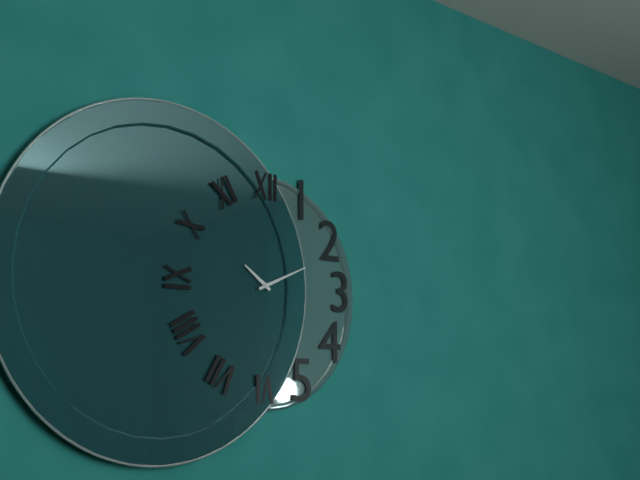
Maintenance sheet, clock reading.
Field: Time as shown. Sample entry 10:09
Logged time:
10:11
